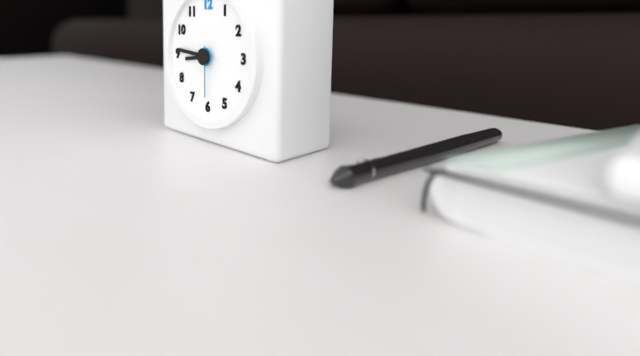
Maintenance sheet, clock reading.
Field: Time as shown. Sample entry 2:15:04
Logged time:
8:46:30
